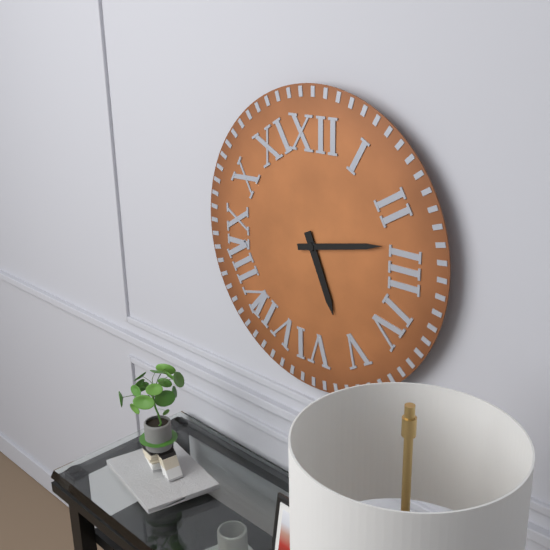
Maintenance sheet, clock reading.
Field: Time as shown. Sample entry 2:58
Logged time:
5:13
